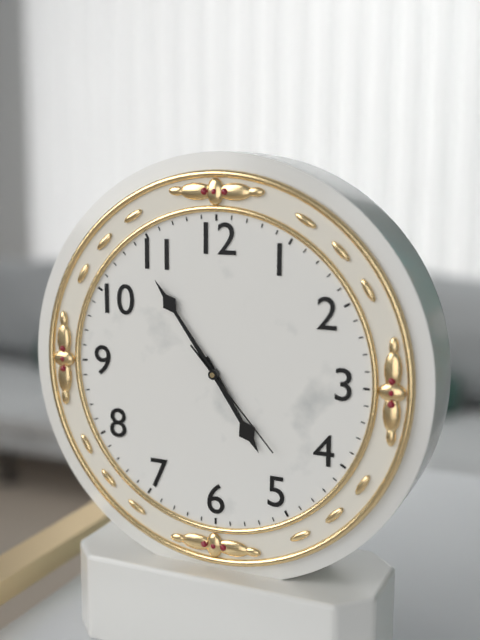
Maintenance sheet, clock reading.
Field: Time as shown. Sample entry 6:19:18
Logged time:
4:54:23
